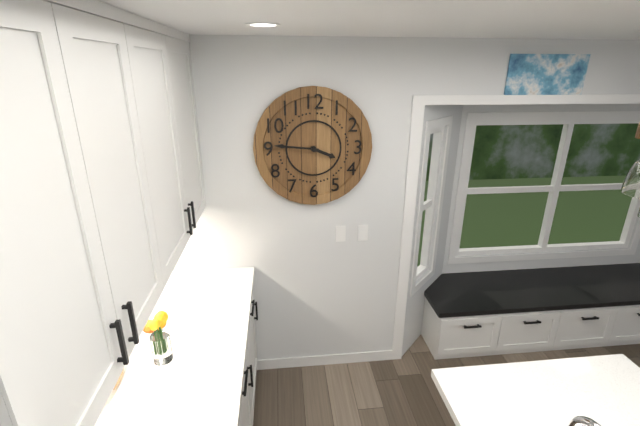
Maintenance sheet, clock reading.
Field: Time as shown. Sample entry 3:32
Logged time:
3:46
